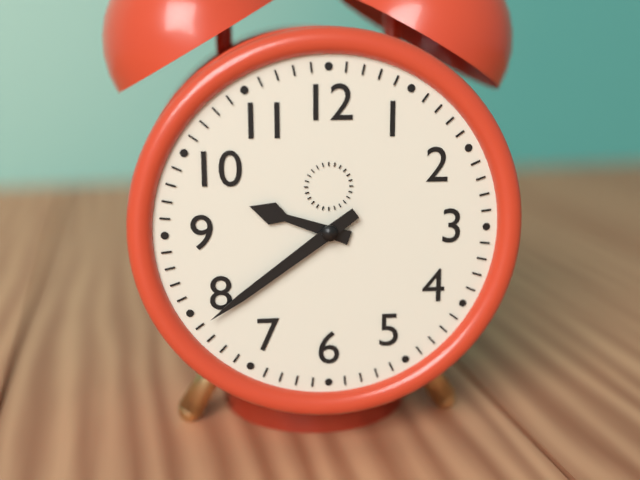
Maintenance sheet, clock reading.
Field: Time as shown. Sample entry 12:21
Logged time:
9:39
